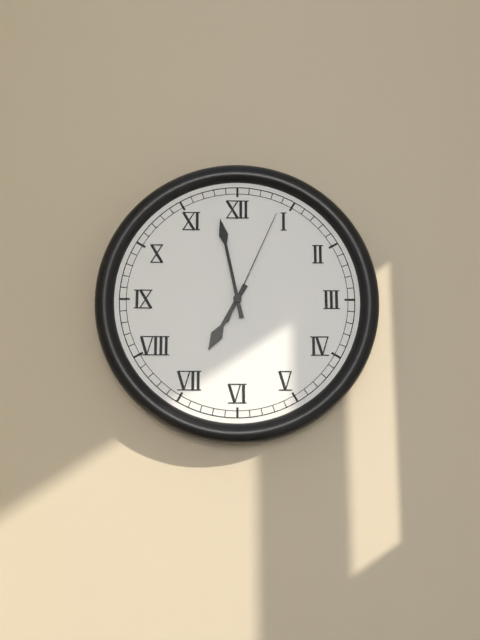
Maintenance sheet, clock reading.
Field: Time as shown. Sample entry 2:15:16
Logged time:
6:58:04
